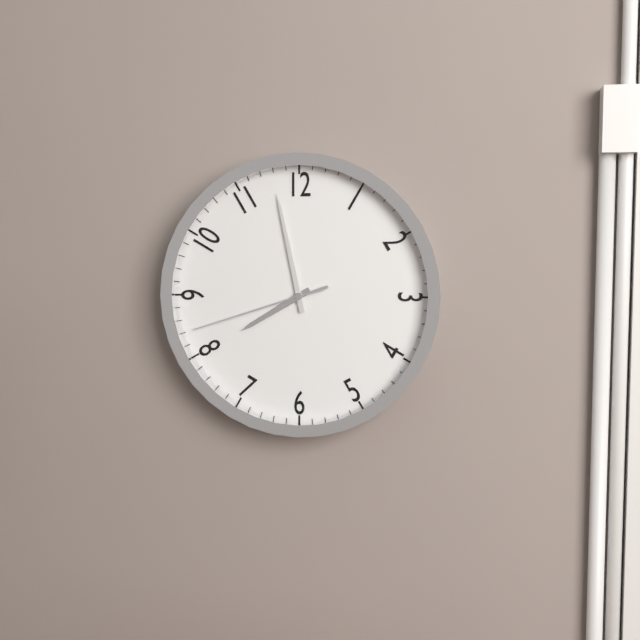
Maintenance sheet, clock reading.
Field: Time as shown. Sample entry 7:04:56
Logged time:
7:58:42
